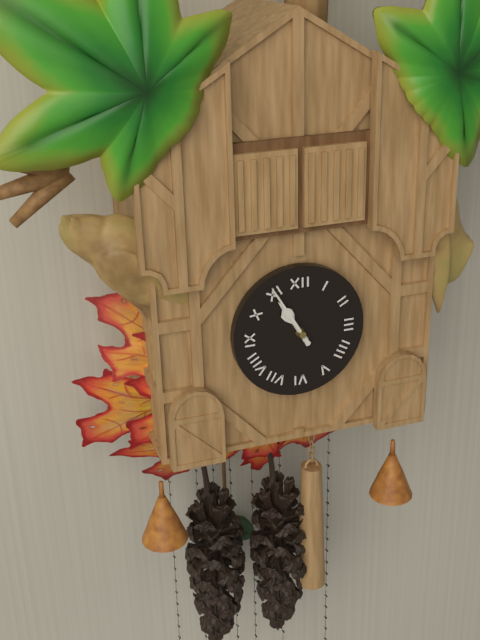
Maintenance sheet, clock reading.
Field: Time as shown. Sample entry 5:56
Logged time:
10:55
